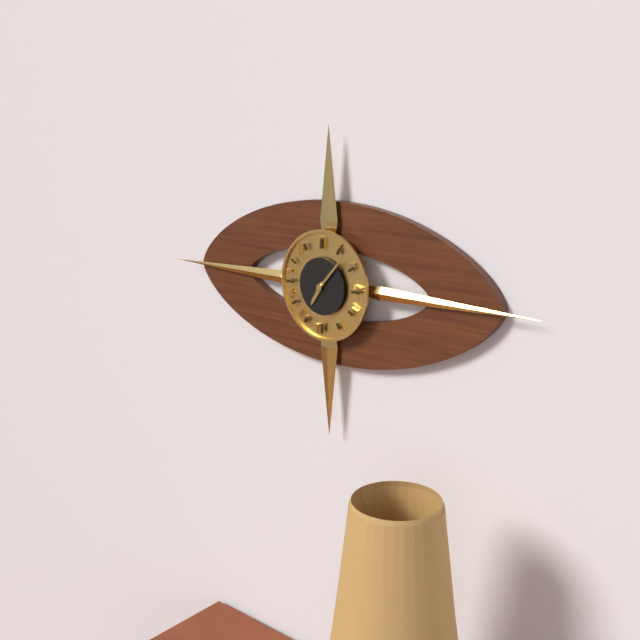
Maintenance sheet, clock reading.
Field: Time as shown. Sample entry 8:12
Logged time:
7:07
